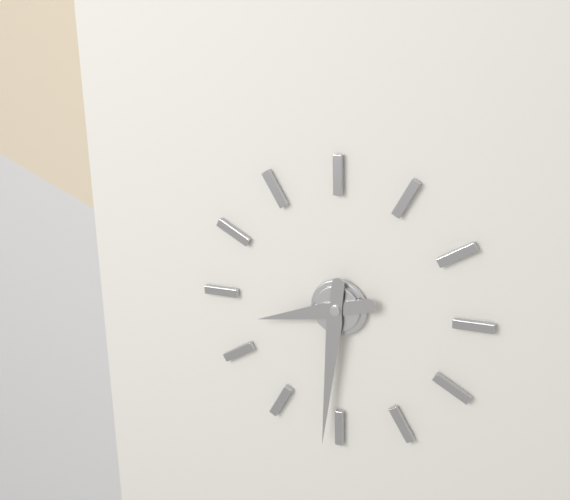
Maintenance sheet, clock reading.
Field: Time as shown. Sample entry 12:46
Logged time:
8:31
